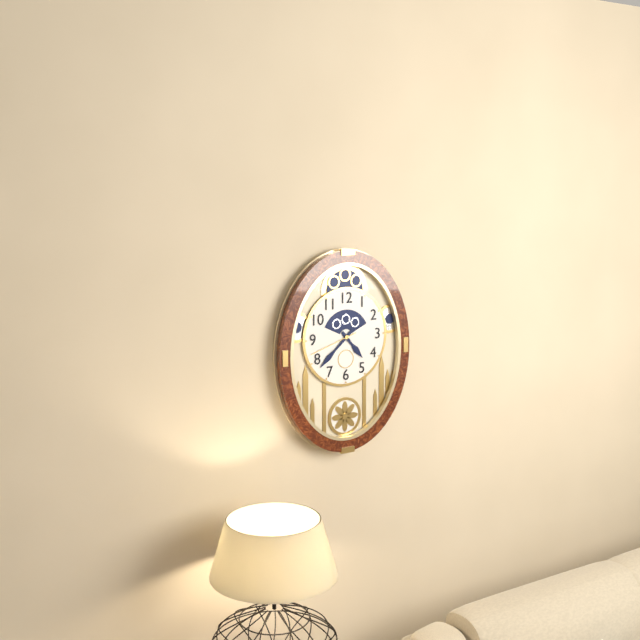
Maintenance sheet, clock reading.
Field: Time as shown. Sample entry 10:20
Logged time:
4:38
